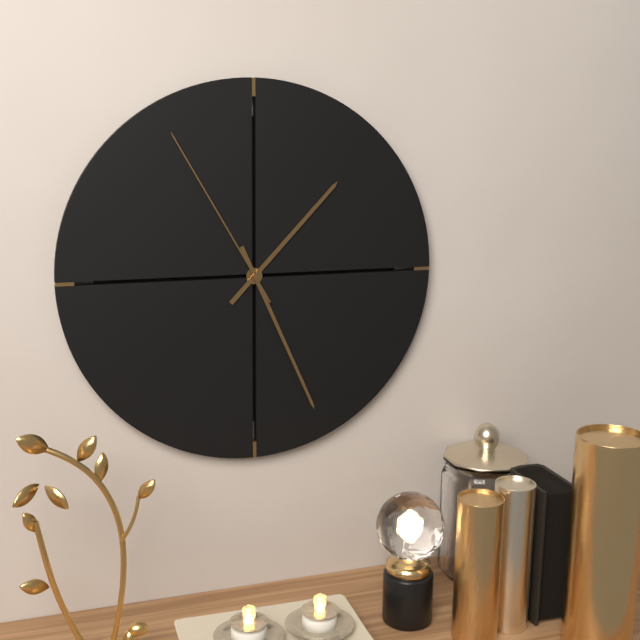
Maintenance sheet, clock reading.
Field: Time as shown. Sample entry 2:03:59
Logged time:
1:26:55
